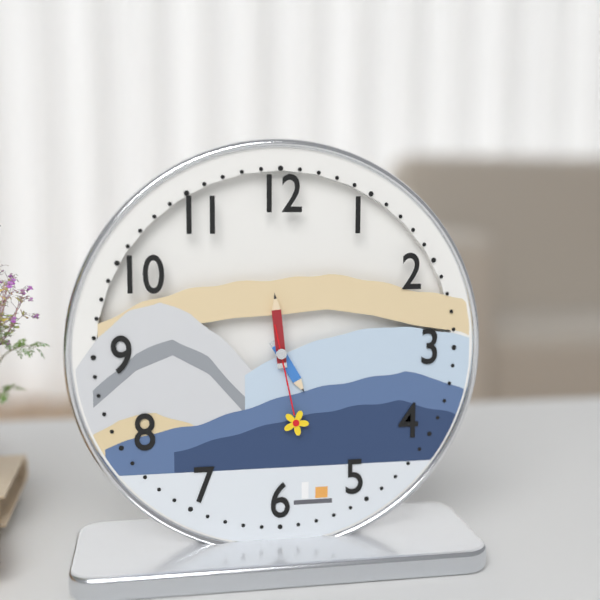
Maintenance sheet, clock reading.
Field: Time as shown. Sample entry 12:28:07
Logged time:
4:59:28
